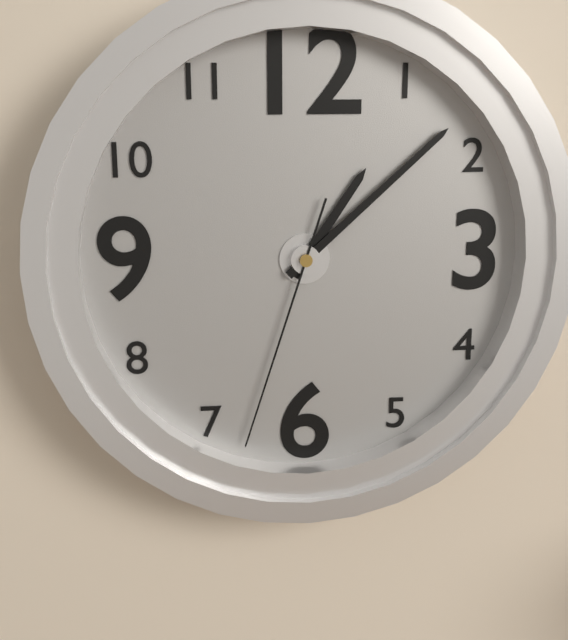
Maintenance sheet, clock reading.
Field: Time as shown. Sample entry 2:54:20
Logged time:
1:08:33
